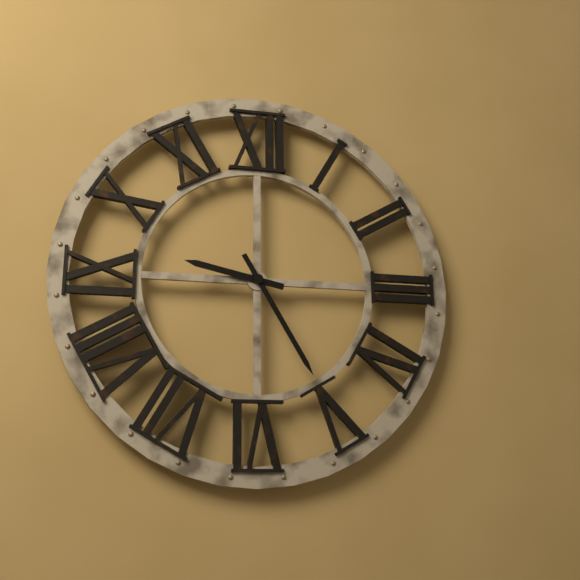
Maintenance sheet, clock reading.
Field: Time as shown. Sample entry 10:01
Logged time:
9:25
